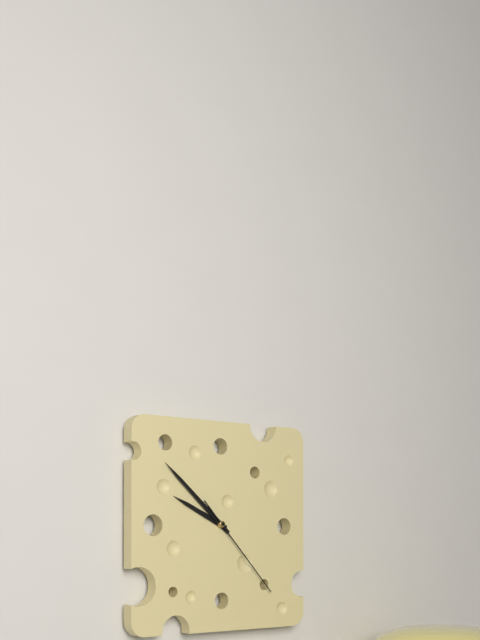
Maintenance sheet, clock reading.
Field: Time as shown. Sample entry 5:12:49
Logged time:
9:52:23
